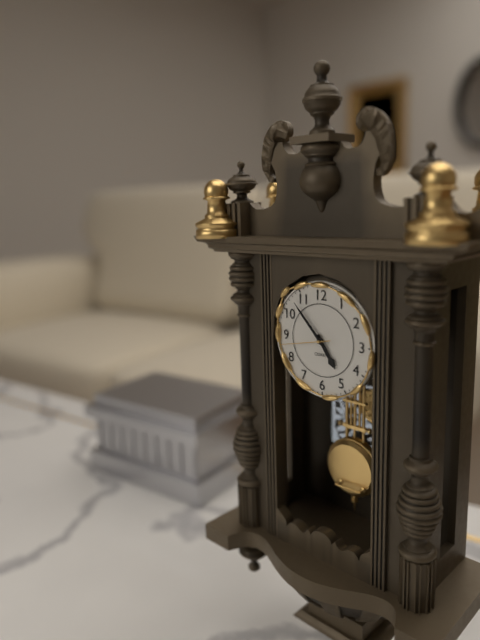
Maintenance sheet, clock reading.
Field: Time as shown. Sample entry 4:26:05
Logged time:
4:53:43
